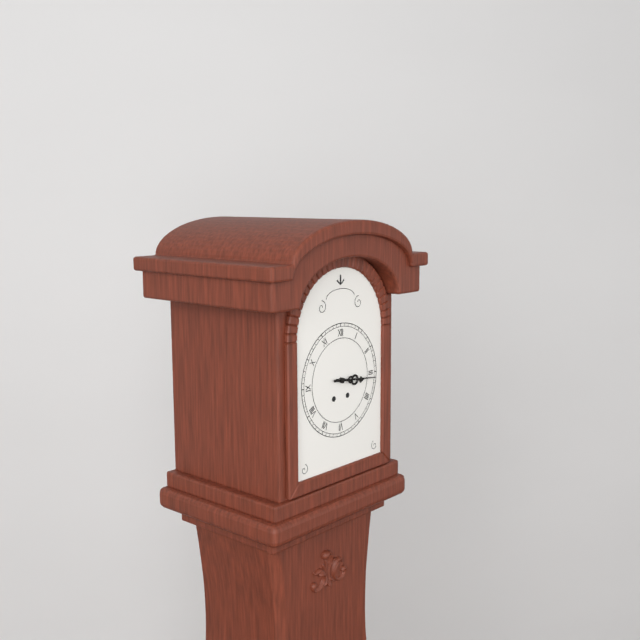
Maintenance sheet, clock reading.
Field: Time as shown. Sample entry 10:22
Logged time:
3:16
